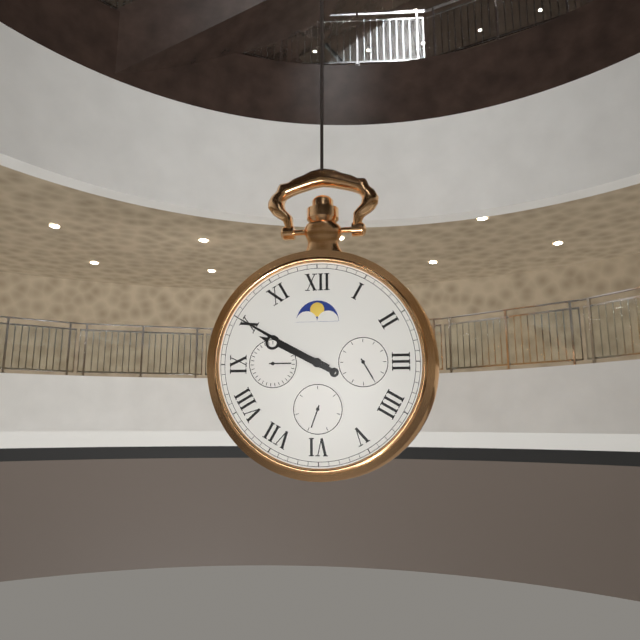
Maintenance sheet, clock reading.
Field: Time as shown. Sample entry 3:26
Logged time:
9:50
